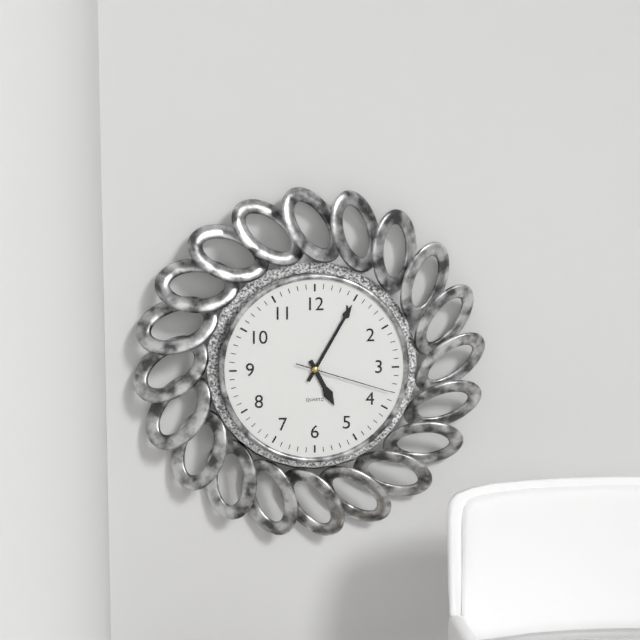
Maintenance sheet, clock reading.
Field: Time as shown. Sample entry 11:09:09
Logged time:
5:05:18
